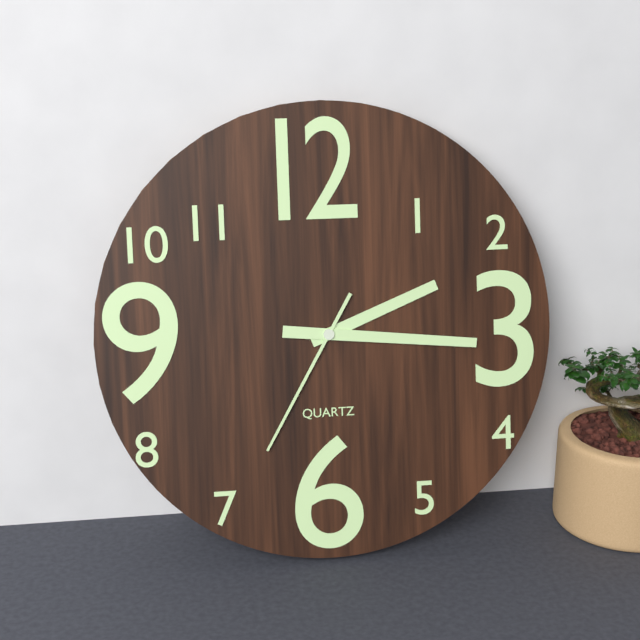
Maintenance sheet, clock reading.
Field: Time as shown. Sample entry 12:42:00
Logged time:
2:16:35
